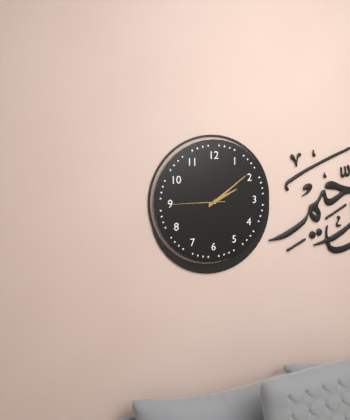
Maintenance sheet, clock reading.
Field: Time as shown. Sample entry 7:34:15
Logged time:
2:09:45
